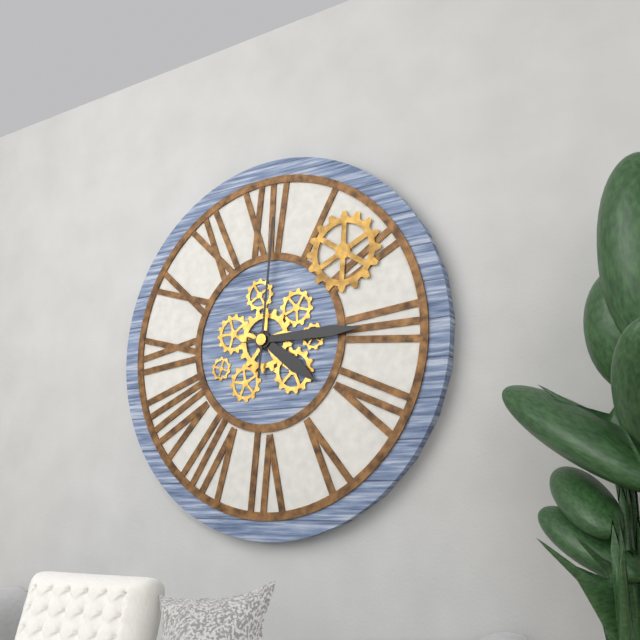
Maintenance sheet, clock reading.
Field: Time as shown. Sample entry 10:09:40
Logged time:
4:15:01
